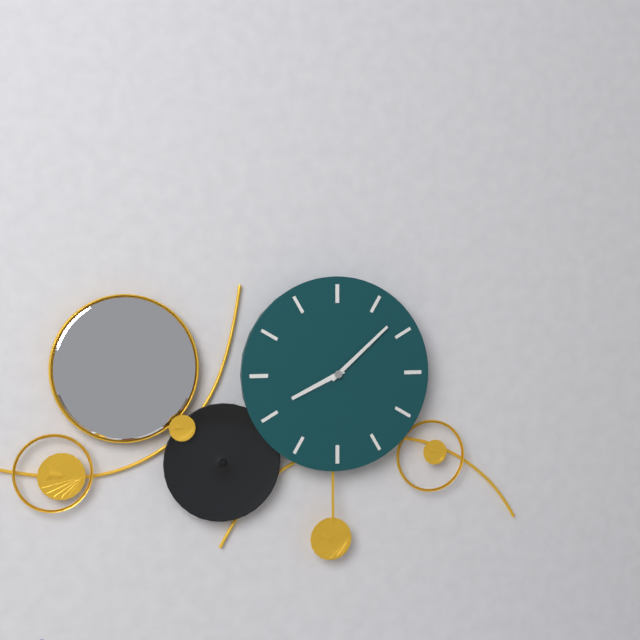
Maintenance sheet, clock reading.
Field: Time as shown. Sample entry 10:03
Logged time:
8:08
